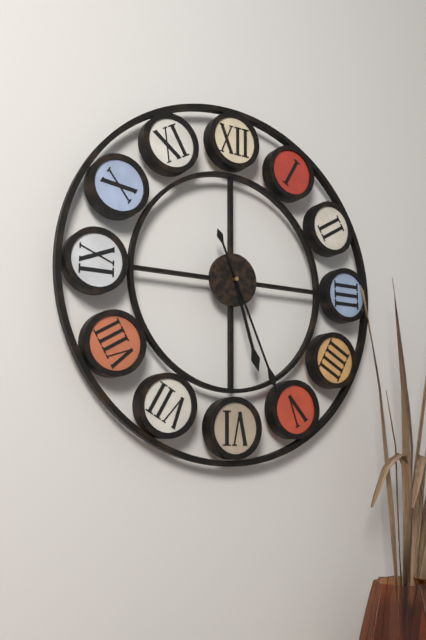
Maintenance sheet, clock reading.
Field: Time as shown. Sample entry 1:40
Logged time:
5:26
